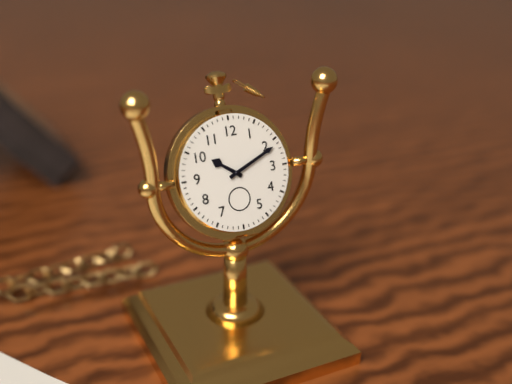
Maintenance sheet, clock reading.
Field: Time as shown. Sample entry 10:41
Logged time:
10:11
